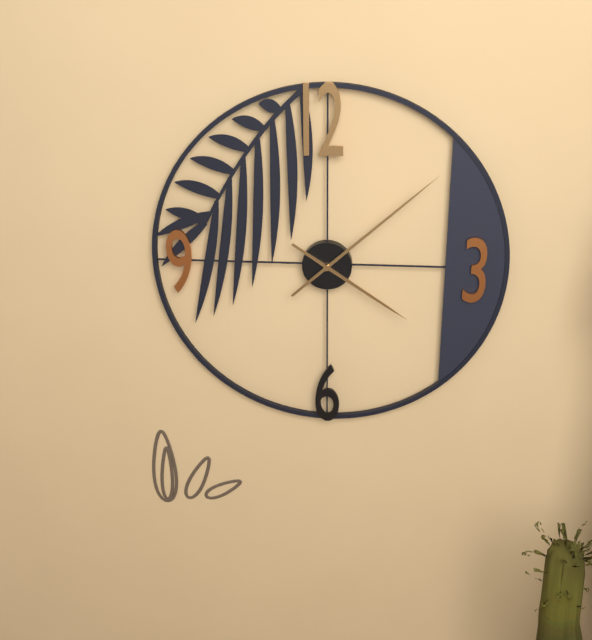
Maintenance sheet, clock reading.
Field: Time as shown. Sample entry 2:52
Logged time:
4:08
